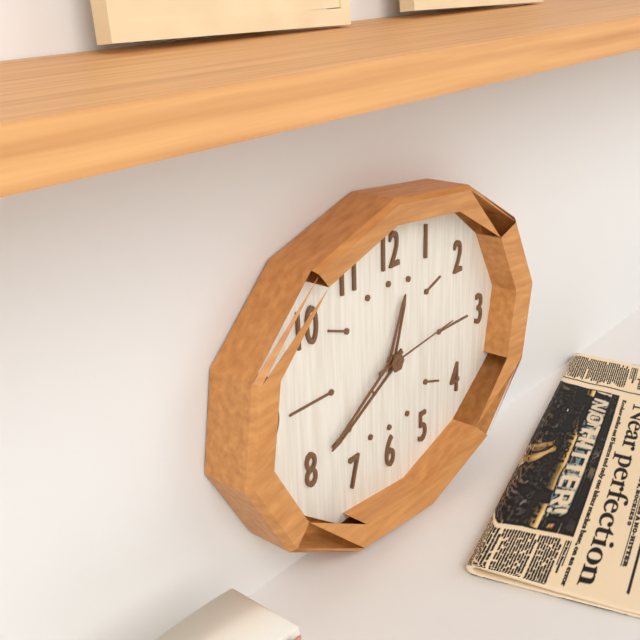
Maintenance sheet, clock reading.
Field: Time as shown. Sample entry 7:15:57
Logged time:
12:40:14
